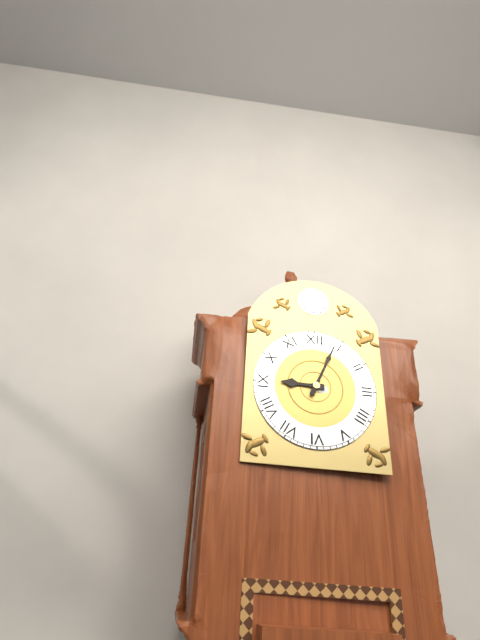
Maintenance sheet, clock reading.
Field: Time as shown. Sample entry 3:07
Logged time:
9:04
